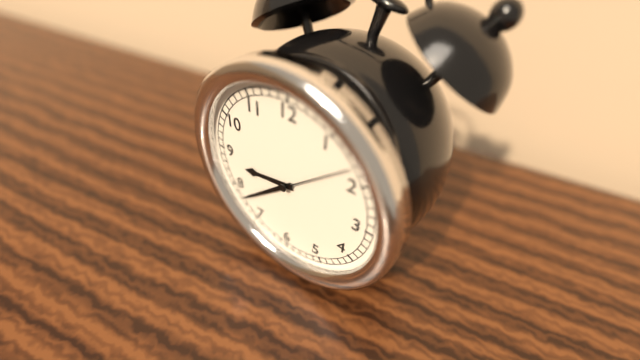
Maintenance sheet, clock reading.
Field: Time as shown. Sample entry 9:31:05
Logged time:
8:38:08
